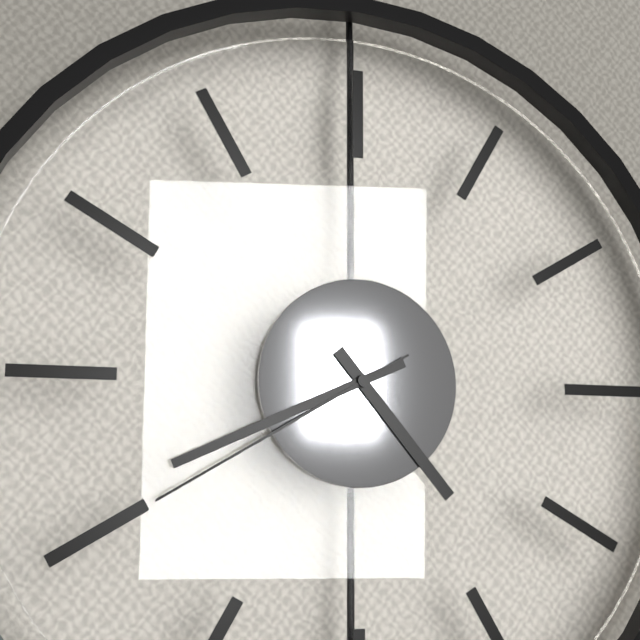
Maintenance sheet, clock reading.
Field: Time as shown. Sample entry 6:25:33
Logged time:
4:41:40
